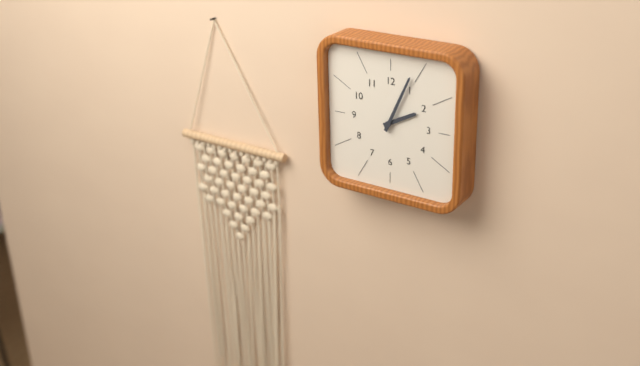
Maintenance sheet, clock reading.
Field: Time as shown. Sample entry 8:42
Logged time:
2:04
